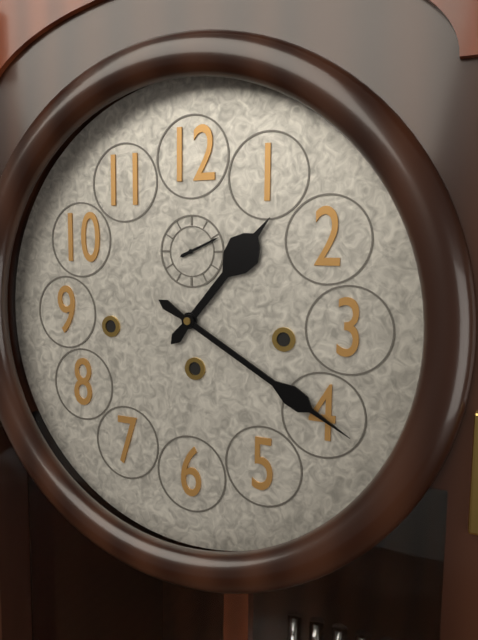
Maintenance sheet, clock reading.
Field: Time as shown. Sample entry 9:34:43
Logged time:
1:20:11
